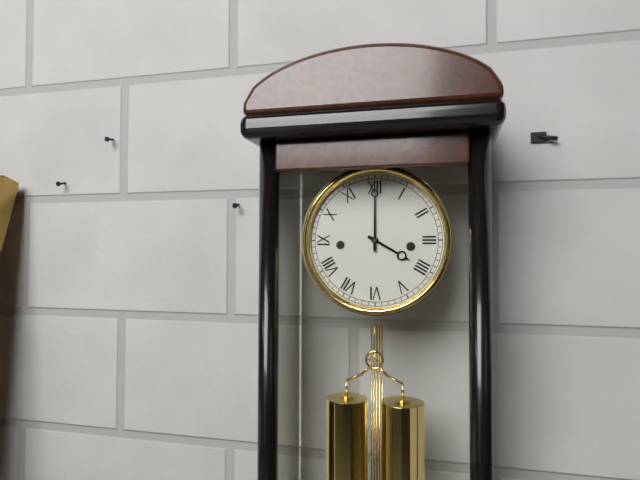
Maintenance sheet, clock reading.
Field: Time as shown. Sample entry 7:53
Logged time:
4:00
